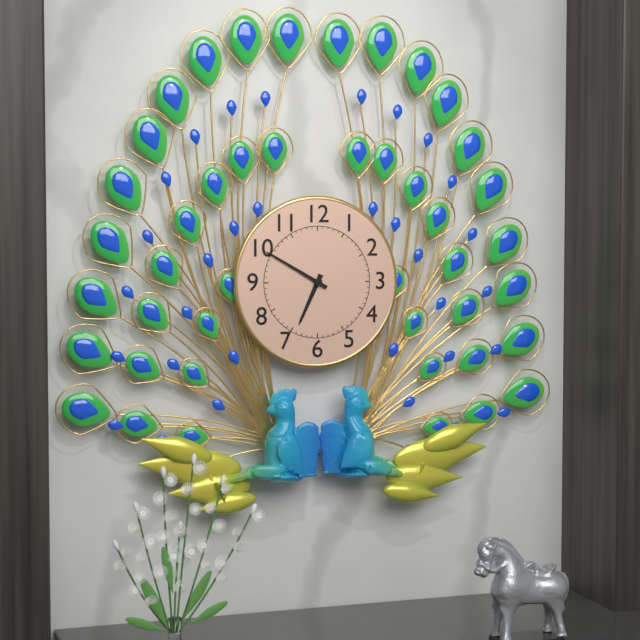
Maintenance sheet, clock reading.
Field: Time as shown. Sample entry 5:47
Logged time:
6:50
